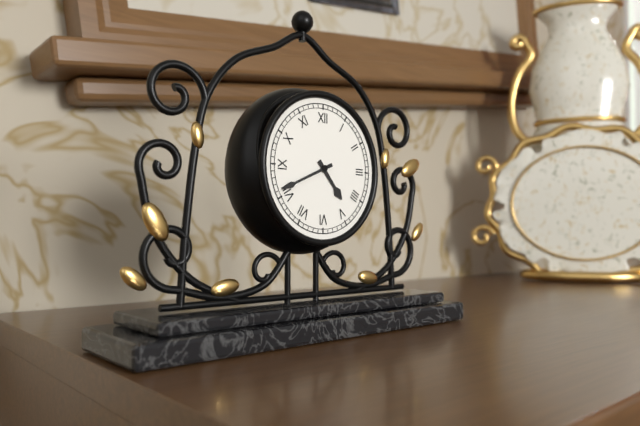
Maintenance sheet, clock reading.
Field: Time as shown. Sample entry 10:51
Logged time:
4:41
